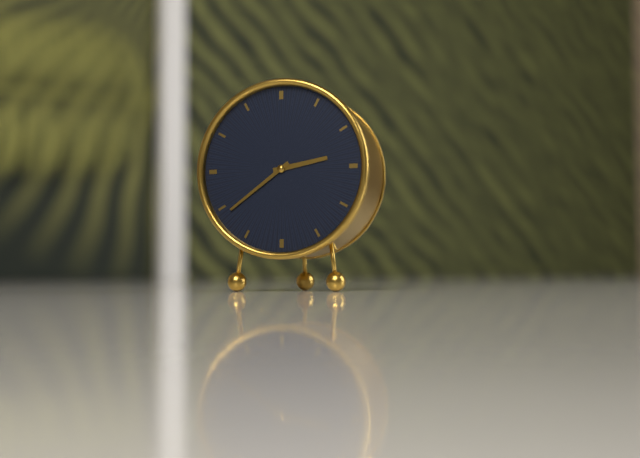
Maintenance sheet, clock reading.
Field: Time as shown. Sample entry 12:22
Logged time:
2:39
